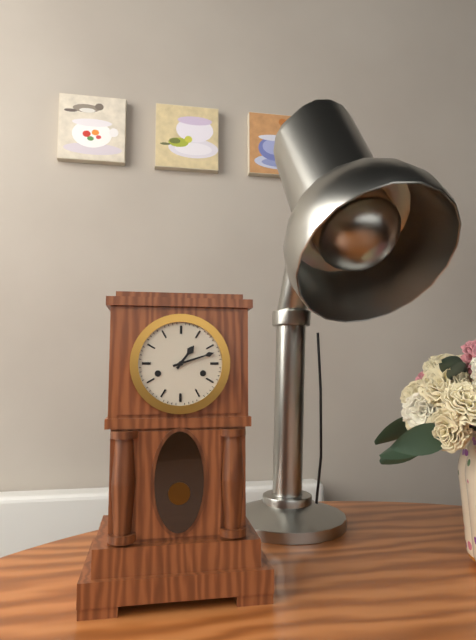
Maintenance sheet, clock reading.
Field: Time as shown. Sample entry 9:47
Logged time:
1:12
